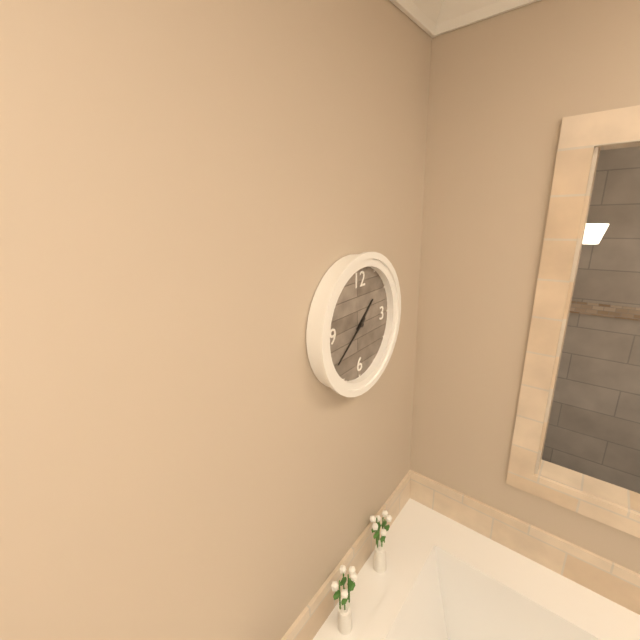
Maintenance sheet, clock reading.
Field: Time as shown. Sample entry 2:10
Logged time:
1:39
